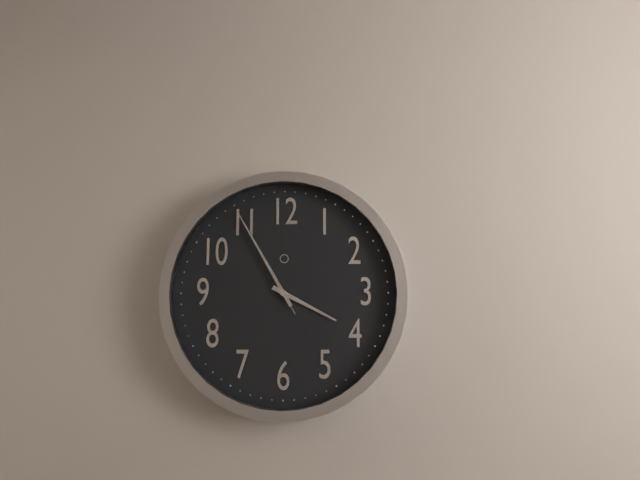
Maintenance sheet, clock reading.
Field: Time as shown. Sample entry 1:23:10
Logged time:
3:55:55
